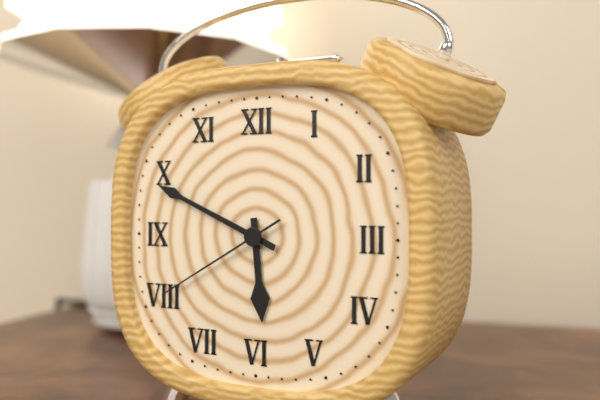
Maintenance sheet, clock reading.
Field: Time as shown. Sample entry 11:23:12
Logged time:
5:49:40
